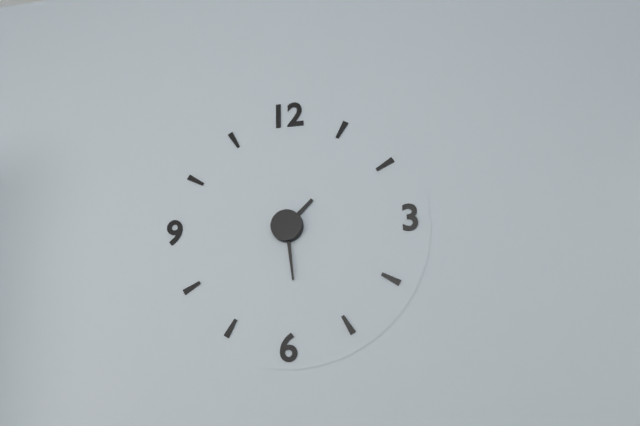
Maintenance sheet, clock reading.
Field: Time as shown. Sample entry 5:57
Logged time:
1:29
